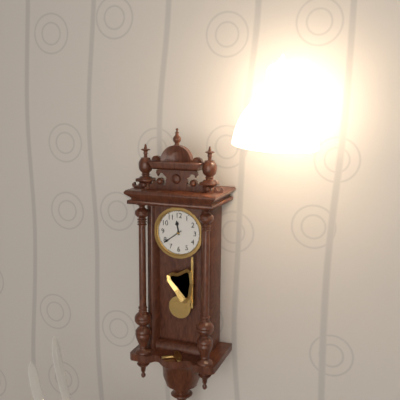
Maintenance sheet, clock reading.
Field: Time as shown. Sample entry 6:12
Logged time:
11:39
